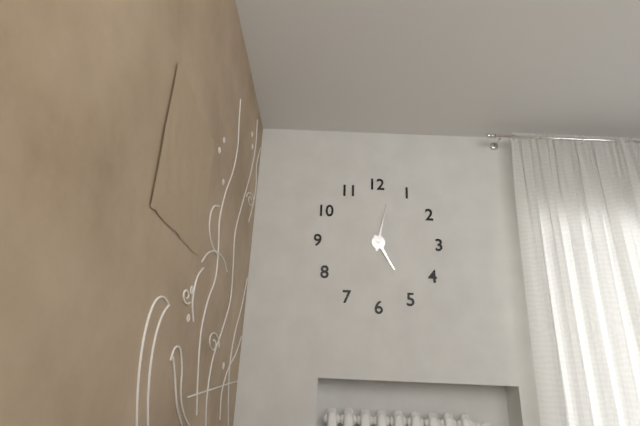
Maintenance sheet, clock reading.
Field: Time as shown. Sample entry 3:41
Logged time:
5:02
